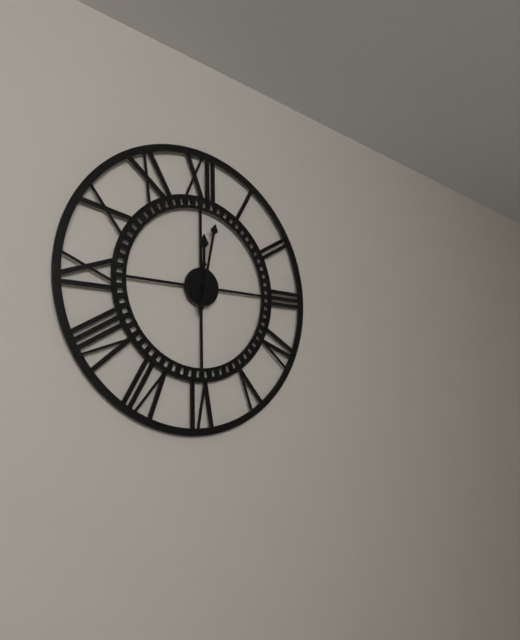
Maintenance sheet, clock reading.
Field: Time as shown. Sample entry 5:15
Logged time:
12:02
